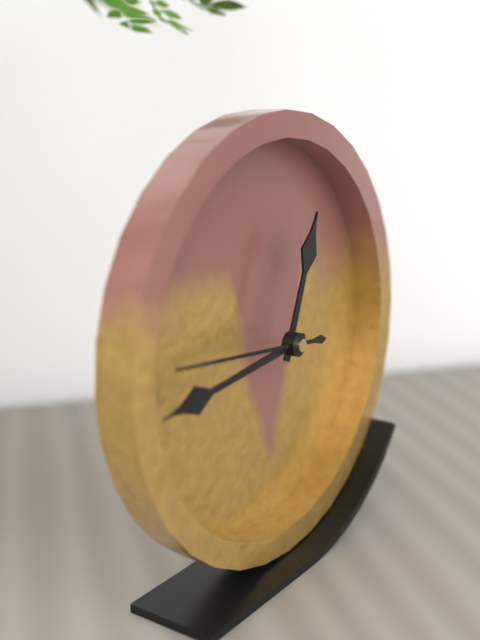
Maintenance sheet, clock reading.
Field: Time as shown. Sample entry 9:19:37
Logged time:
12:44:46
